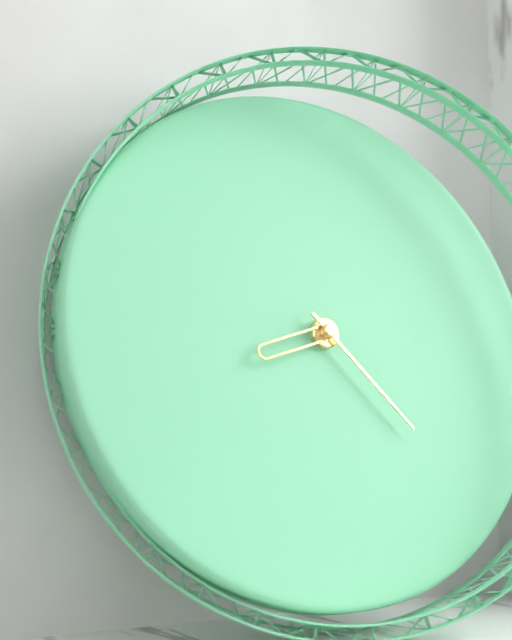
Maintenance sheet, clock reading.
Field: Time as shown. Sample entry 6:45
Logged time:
8:23
